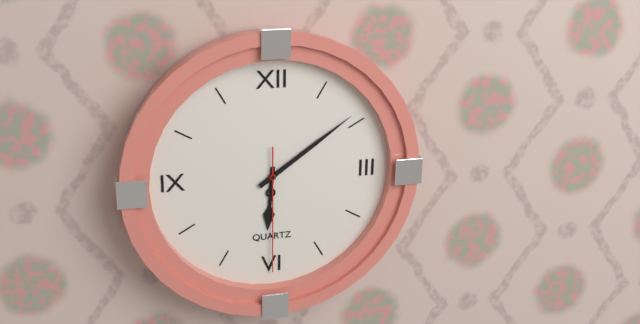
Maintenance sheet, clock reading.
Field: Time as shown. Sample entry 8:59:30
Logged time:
6:09:30
